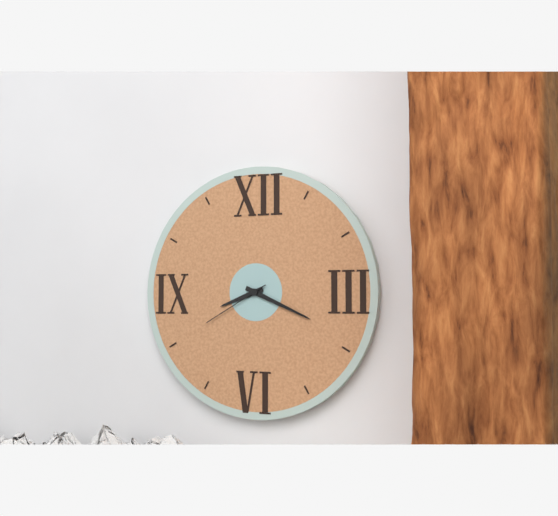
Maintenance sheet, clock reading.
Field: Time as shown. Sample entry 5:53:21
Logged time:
8:19:40
